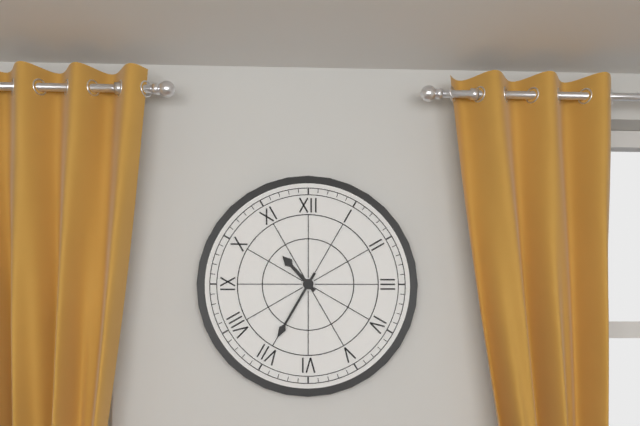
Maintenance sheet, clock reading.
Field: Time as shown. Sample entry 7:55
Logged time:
10:35
